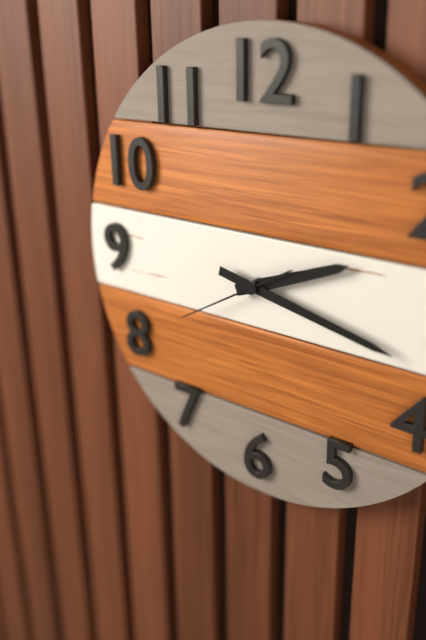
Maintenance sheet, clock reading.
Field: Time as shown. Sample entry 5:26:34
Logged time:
2:17:40
